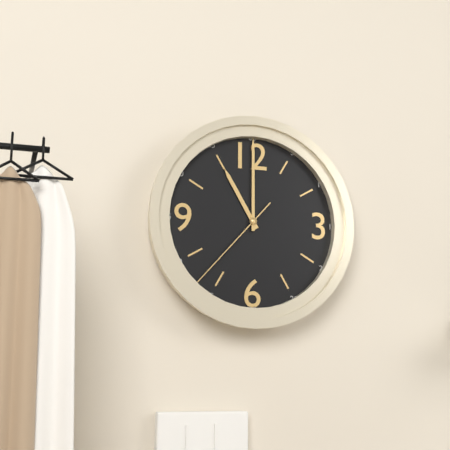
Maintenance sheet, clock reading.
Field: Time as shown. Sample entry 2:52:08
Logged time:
11:00:37
